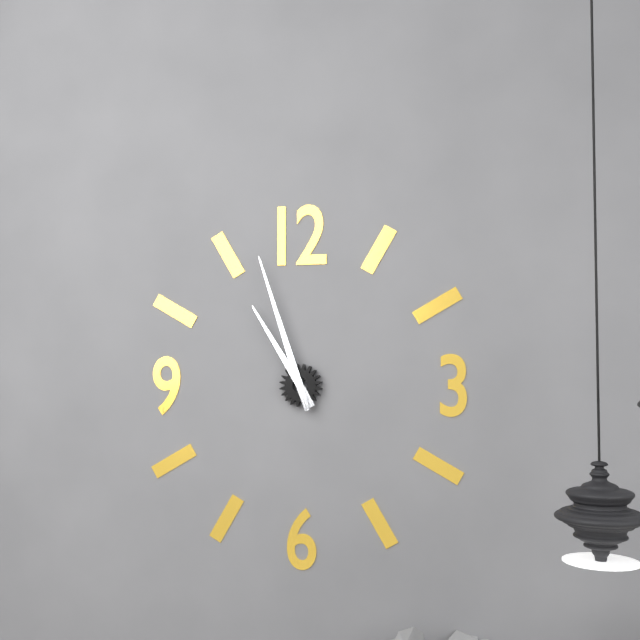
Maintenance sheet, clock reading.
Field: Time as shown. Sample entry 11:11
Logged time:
10:57
